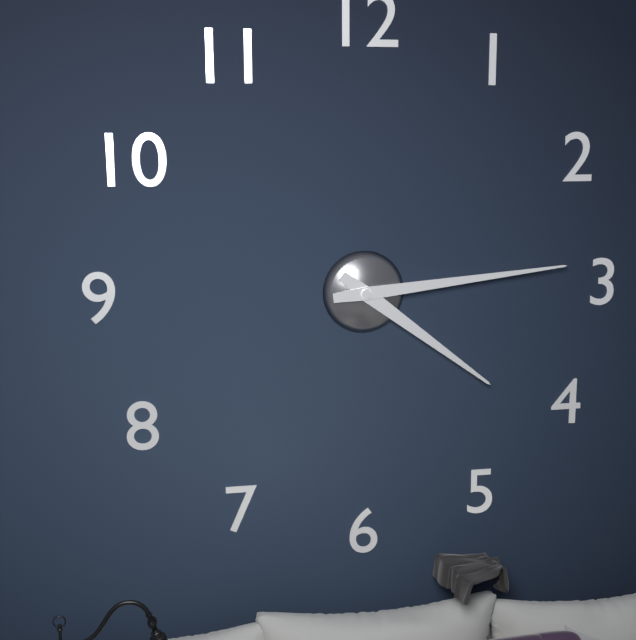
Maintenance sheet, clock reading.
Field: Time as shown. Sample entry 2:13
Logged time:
4:14
